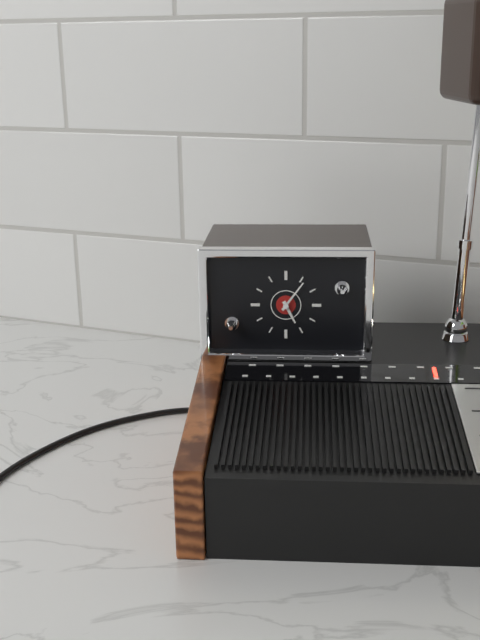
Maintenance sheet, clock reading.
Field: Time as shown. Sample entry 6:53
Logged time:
5:06
